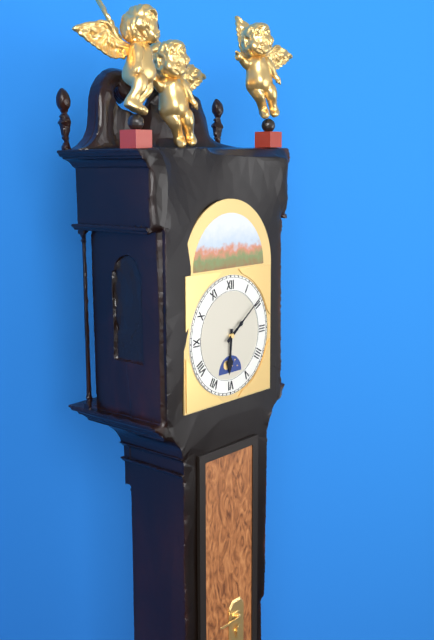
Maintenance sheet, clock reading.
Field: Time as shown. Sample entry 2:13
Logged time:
6:09
